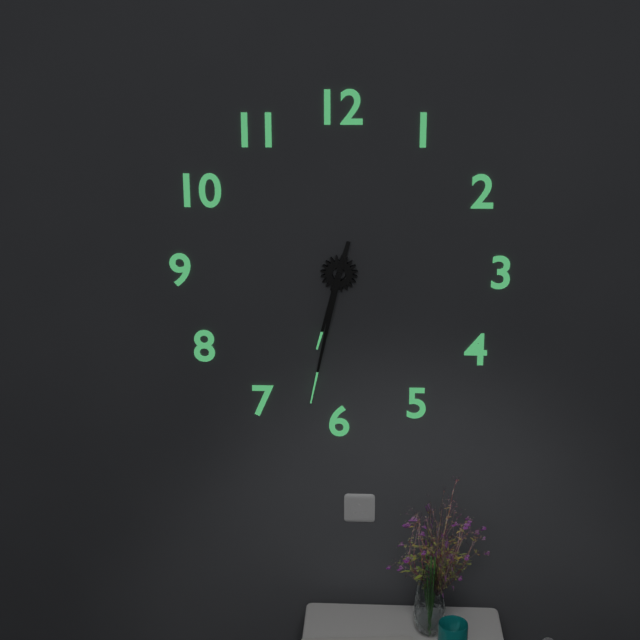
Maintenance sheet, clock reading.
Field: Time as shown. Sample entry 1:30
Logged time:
6:32
